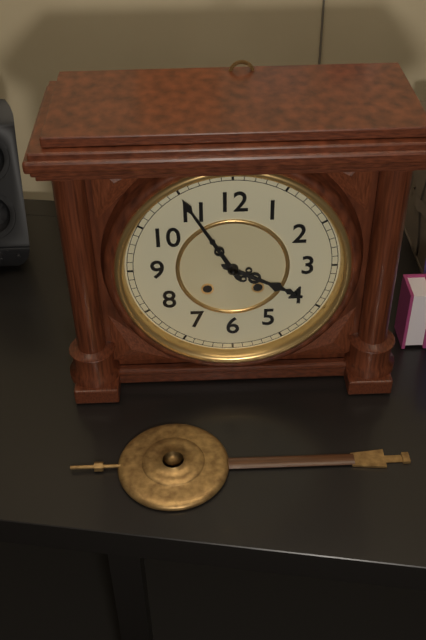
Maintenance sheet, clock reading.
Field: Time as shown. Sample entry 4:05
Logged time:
3:55
